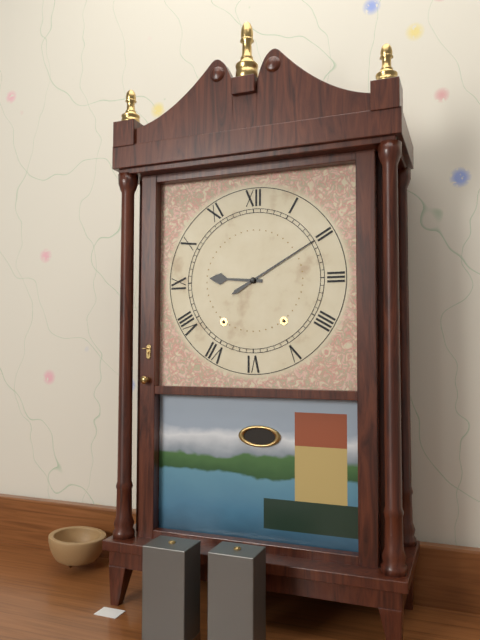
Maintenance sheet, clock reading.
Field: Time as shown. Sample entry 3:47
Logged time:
9:10
